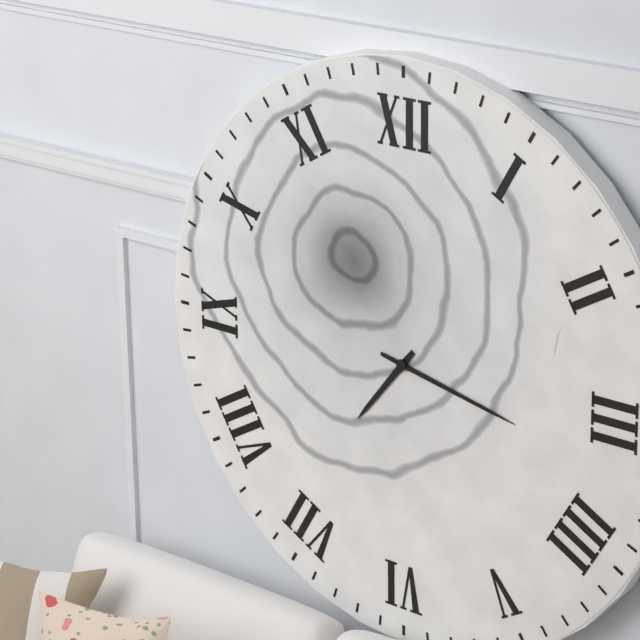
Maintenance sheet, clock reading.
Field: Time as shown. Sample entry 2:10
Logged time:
7:17
